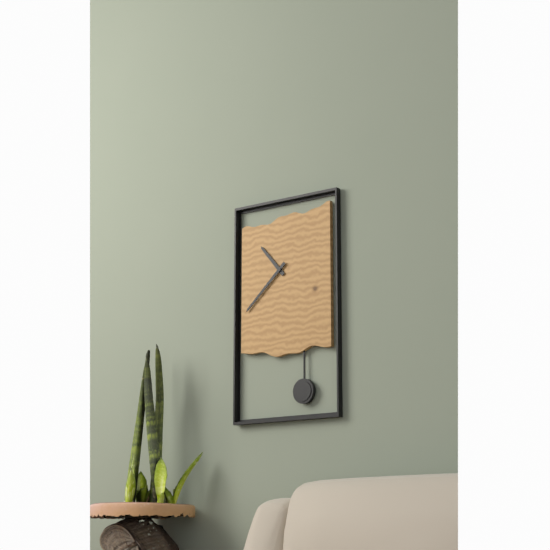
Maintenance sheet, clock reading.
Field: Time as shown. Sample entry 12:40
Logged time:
10:38
